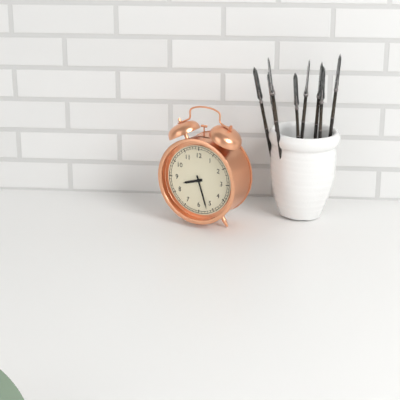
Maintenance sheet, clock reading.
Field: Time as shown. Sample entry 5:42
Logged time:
8:27
